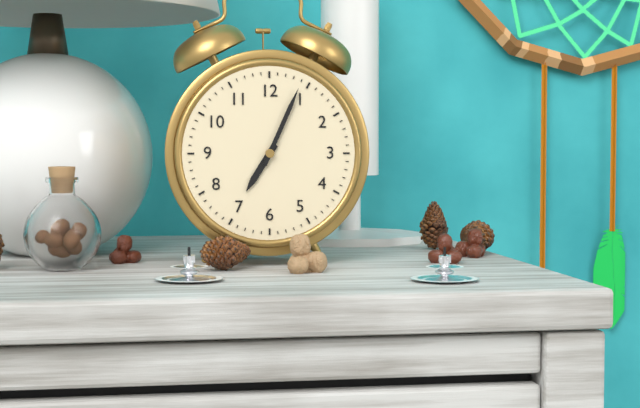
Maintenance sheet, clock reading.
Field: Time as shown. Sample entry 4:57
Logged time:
7:04
